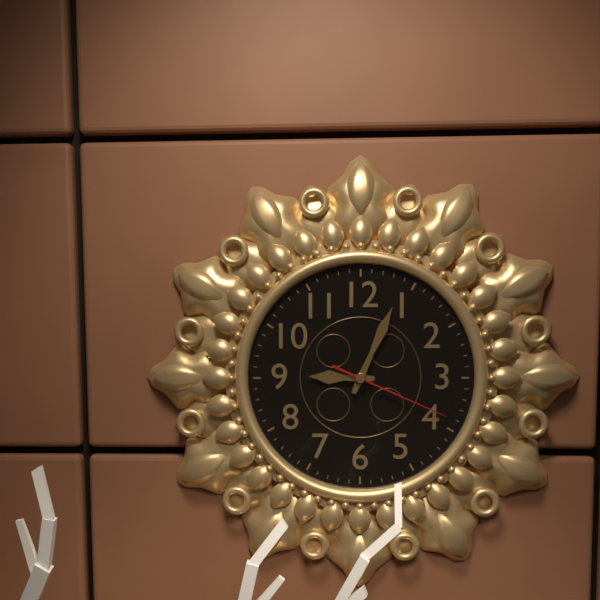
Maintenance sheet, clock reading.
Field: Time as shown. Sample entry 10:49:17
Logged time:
9:04:19
